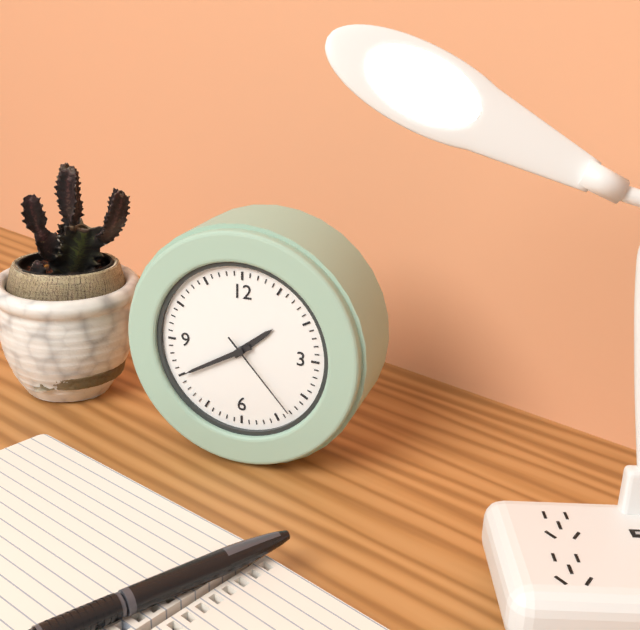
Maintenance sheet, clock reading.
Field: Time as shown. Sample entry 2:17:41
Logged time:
1:40:23
